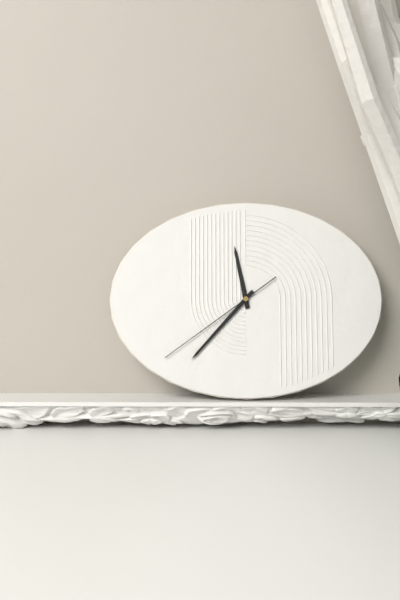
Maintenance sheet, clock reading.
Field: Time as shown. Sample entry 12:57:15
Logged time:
11:37:39
